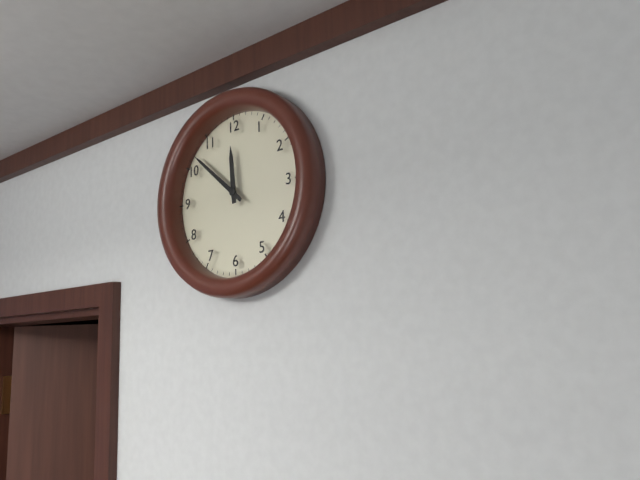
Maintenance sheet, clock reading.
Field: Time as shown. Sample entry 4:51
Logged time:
11:52
